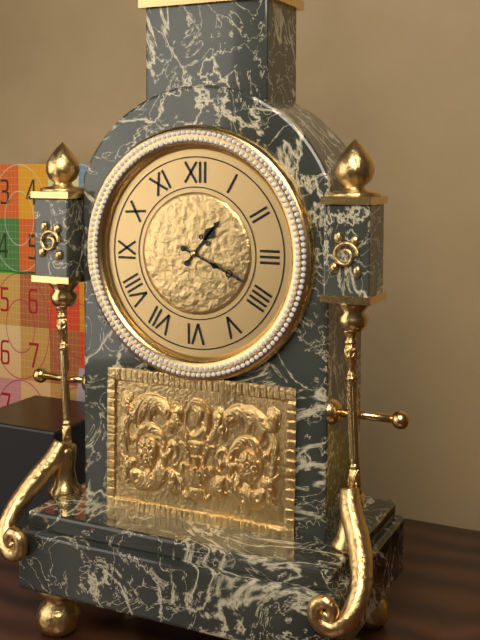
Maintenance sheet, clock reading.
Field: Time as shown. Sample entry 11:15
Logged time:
1:19
